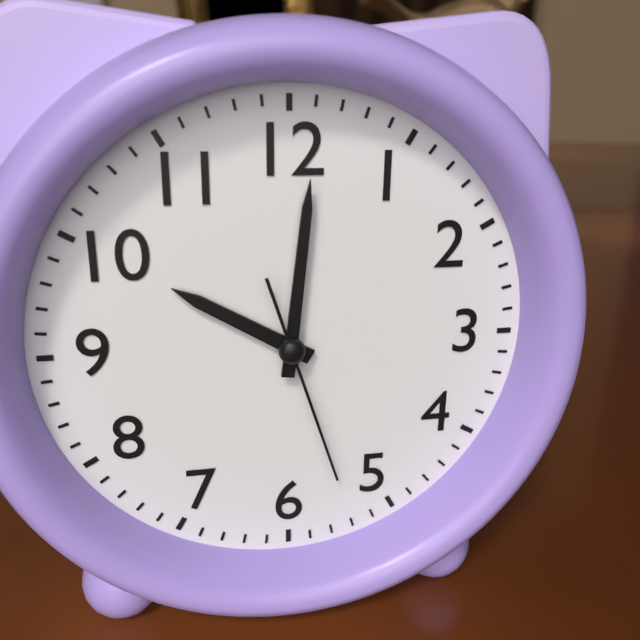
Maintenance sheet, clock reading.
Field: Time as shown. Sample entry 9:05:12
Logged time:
10:01:27
